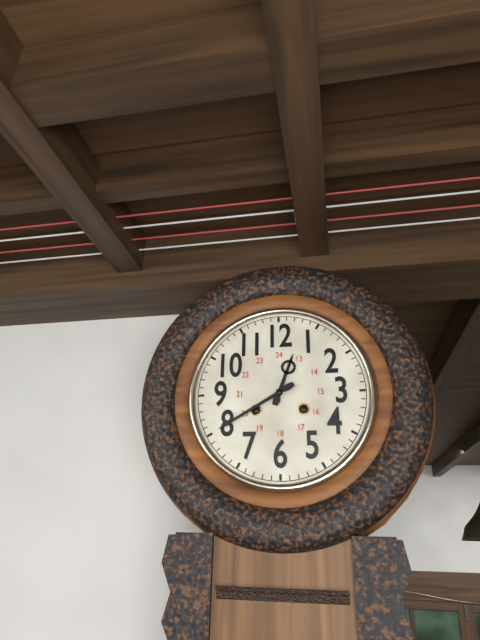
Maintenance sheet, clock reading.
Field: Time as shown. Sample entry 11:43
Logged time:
12:40
